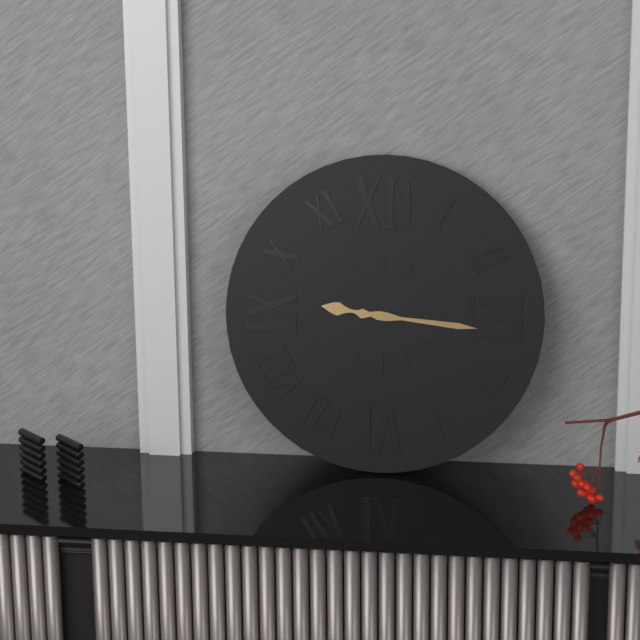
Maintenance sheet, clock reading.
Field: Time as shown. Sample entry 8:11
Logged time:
9:16
